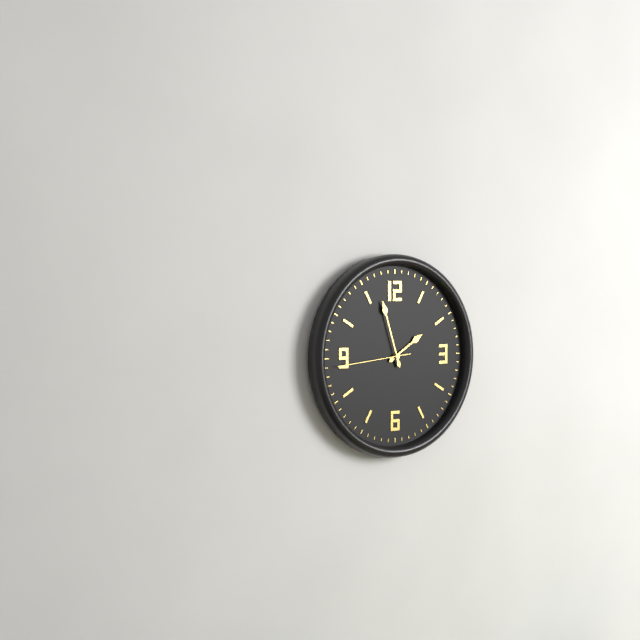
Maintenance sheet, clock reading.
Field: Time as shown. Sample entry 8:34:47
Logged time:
1:57:44
